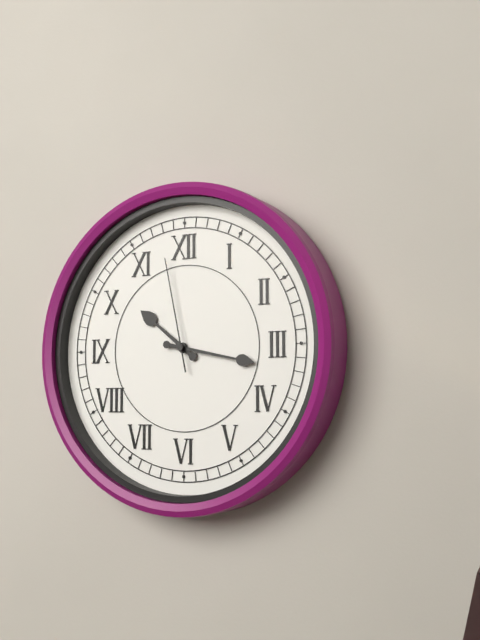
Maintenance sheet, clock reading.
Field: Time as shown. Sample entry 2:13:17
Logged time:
10:17:58
